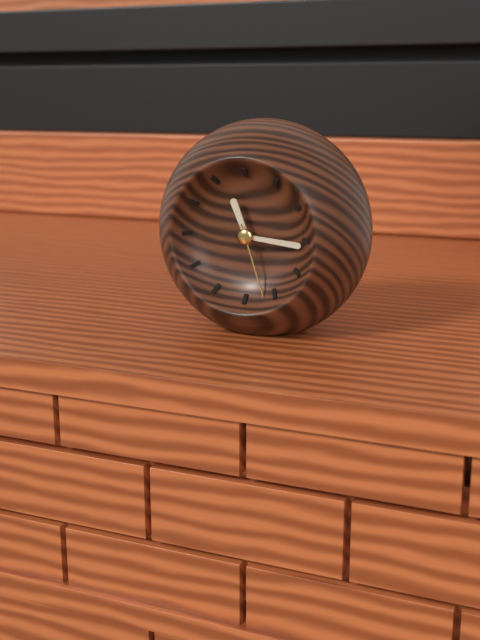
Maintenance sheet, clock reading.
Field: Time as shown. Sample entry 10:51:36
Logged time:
11:16:27
